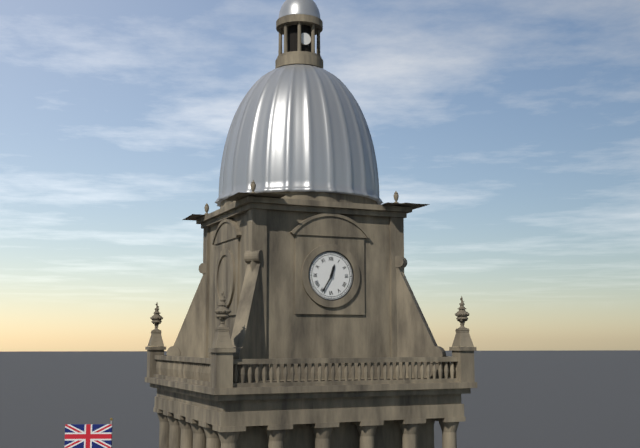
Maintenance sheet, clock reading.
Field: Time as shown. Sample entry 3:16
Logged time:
12:35
